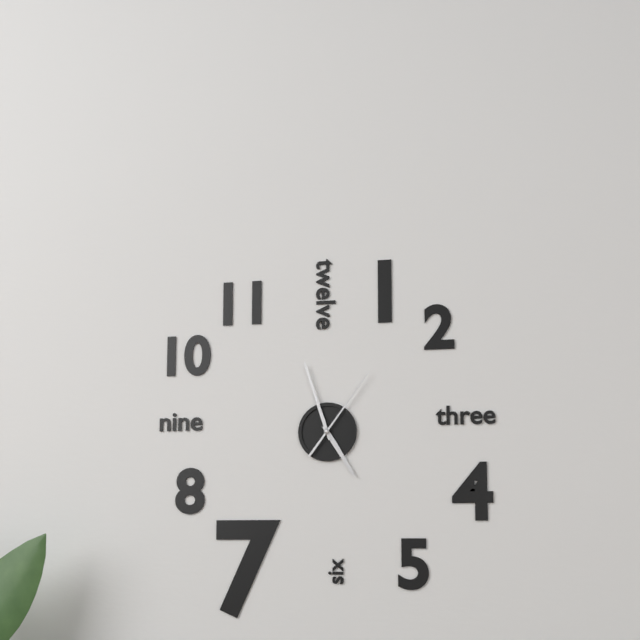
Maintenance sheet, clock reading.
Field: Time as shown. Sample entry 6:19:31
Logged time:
4:57:06
